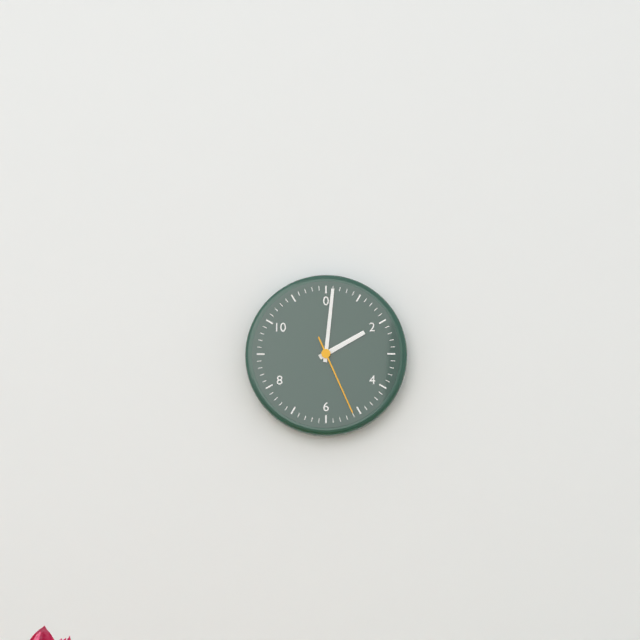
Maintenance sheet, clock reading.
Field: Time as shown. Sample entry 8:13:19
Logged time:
2:01:26
